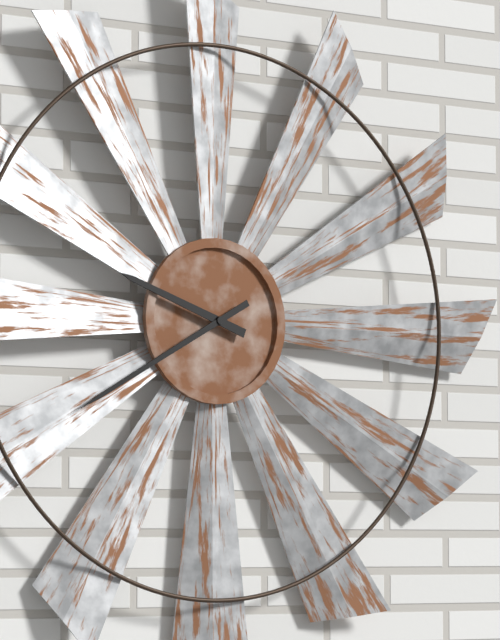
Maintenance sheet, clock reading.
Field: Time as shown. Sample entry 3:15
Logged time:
9:40
